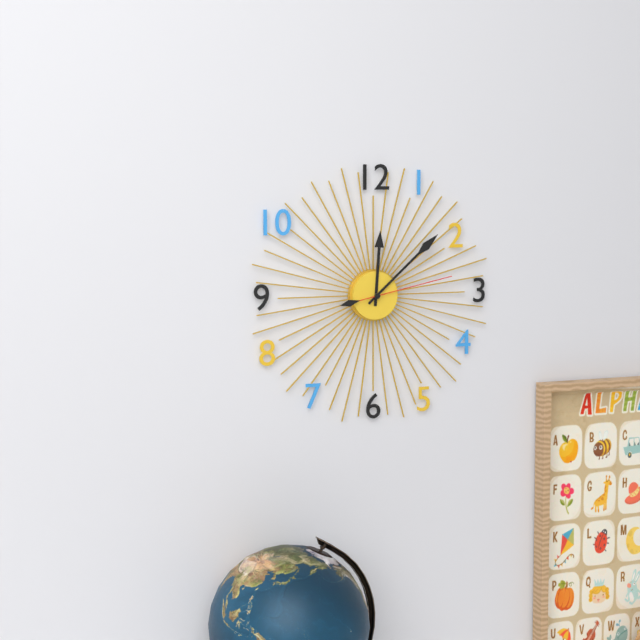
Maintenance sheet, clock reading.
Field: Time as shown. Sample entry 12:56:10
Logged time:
12:08:13
